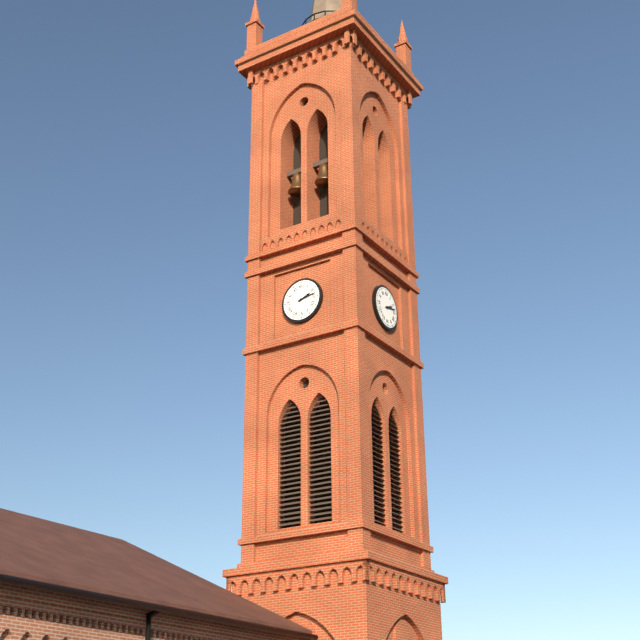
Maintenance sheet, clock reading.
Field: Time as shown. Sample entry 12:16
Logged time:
2:13
